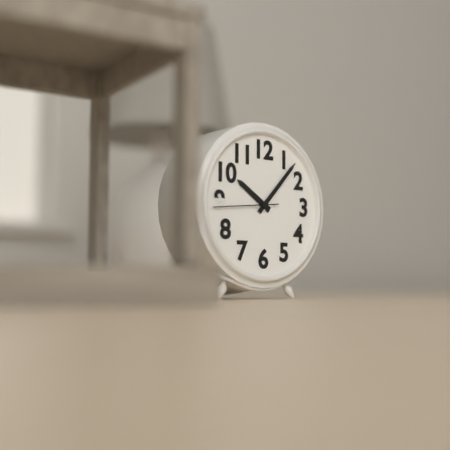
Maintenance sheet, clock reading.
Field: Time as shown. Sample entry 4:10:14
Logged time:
10:07:44
